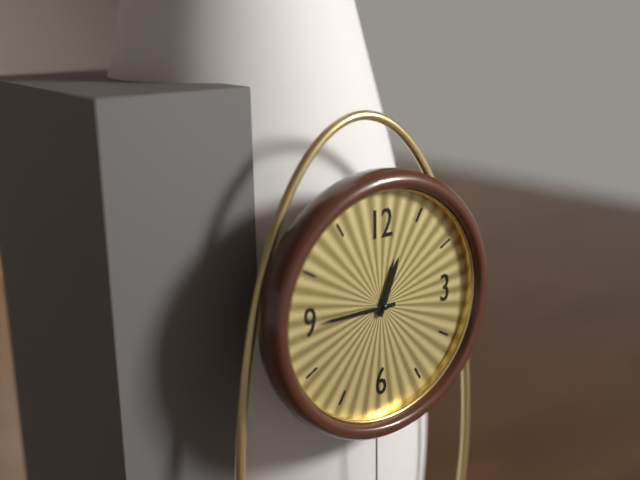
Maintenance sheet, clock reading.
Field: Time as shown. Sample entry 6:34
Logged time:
12:45
